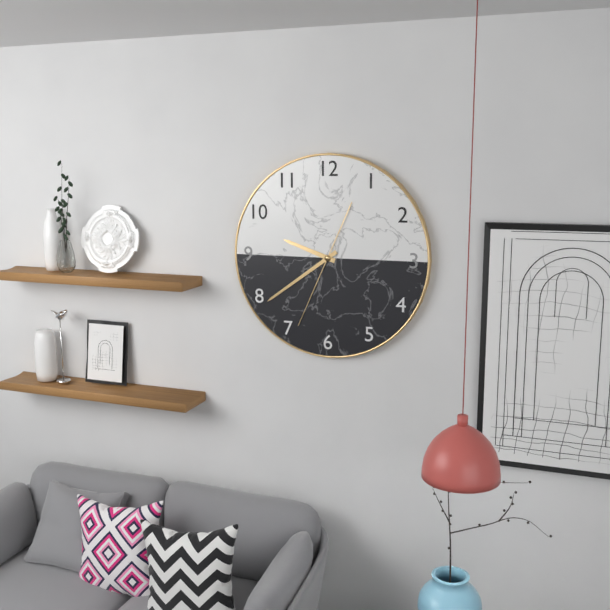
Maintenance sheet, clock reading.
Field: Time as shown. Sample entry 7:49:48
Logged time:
9:39:34
